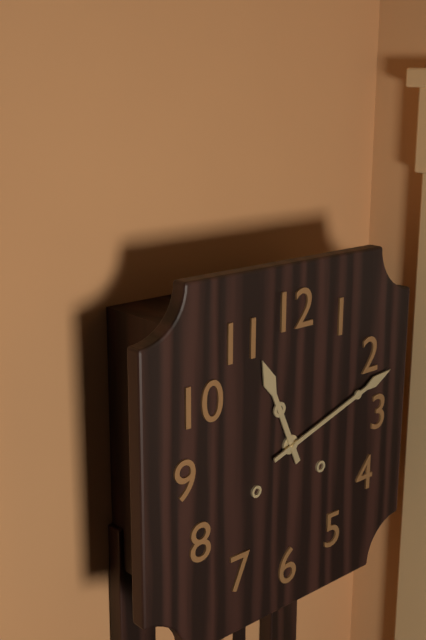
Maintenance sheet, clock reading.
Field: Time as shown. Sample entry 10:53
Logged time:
11:12
